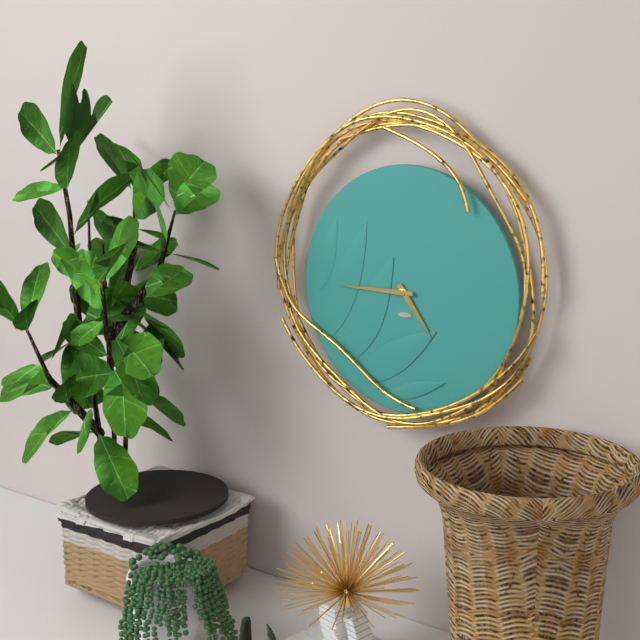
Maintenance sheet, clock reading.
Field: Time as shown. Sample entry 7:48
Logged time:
4:45
